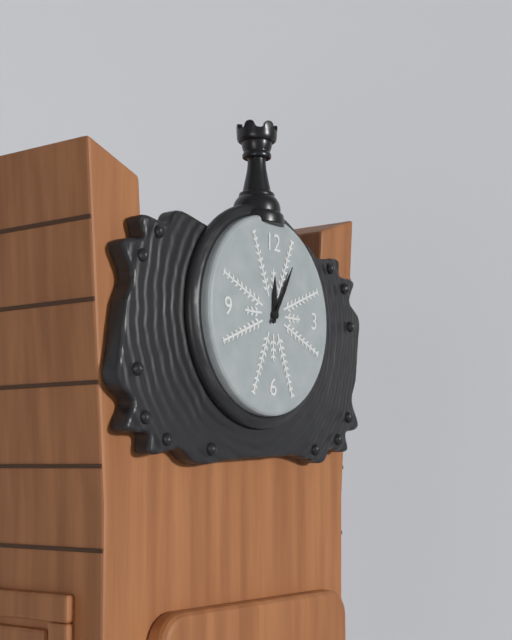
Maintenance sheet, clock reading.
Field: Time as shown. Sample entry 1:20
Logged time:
12:05
